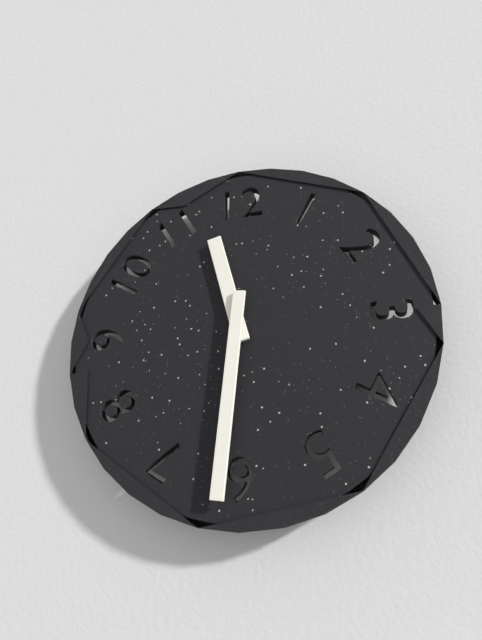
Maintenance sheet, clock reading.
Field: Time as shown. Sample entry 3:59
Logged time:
11:31
